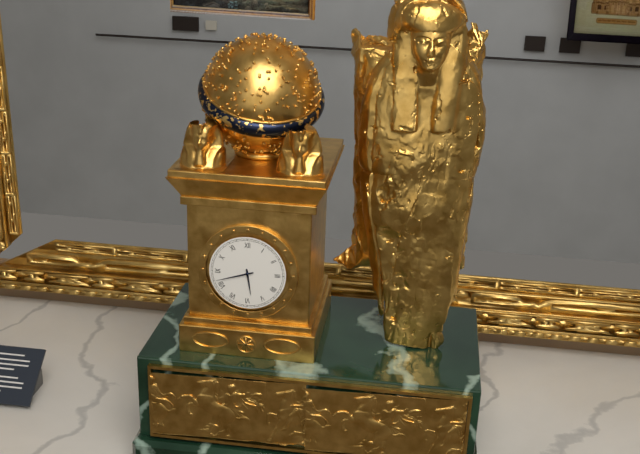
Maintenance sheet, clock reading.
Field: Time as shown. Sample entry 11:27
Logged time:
5:42
